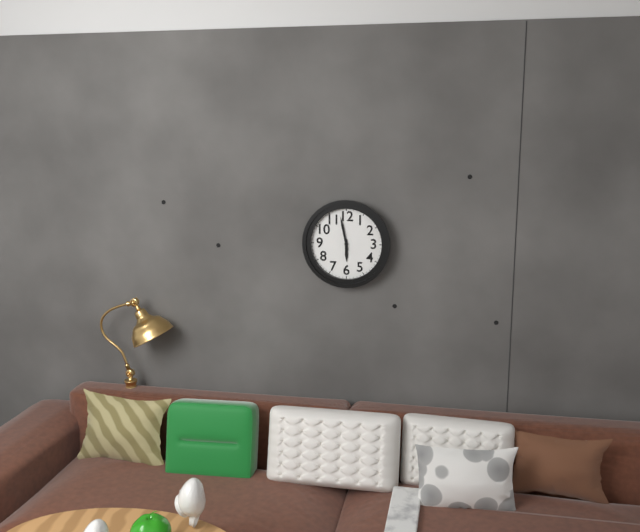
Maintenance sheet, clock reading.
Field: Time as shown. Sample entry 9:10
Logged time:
5:58
